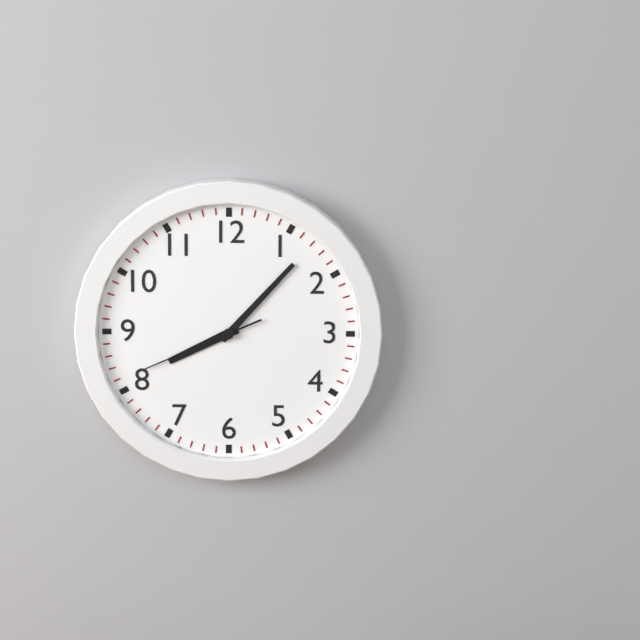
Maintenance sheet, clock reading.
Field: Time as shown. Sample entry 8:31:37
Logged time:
8:07:41
